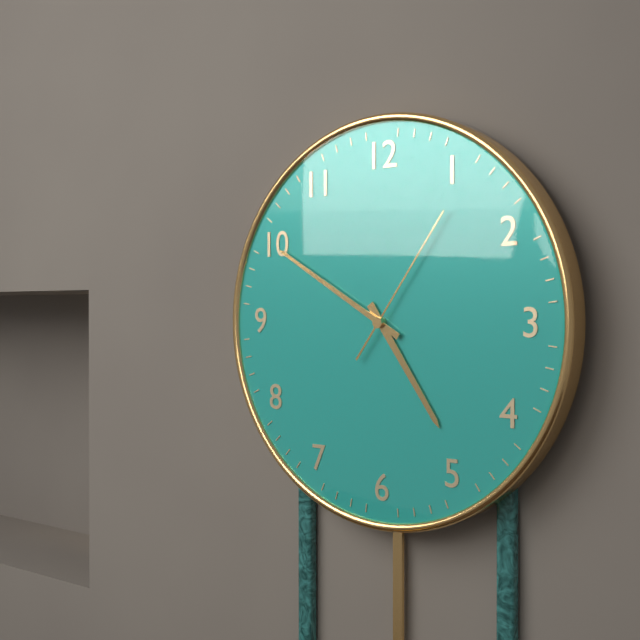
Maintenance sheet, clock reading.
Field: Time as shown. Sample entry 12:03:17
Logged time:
4:50:06
